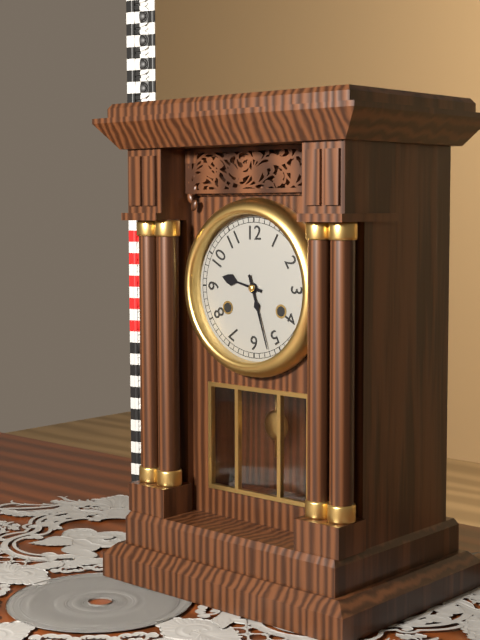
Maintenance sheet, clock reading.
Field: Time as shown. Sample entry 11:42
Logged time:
9:27
